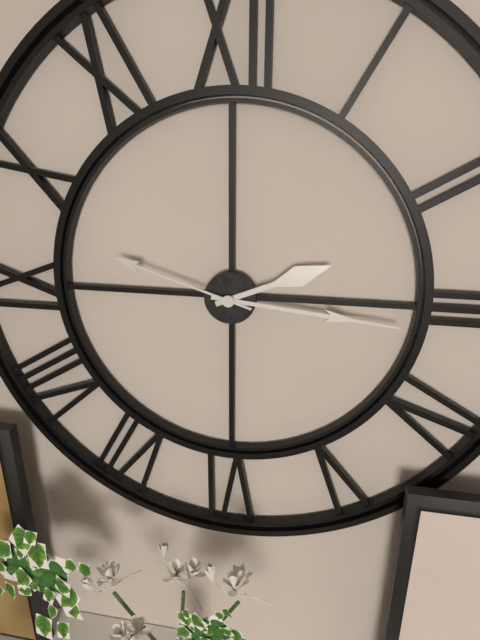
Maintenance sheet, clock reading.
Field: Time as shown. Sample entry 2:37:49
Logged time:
2:16:48
